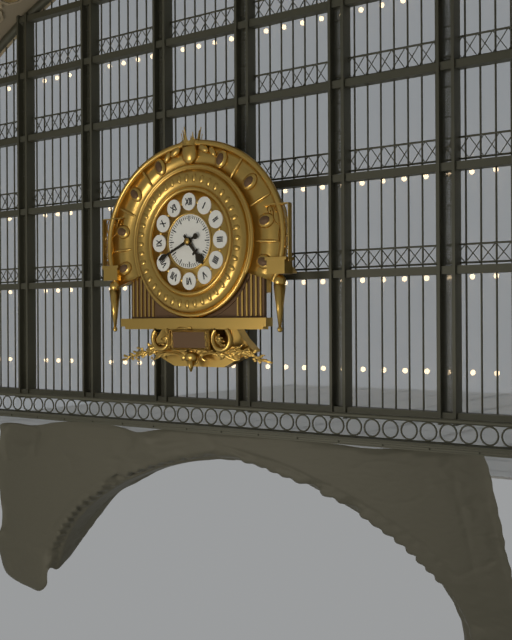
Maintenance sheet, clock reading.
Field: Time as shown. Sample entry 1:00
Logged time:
4:41
